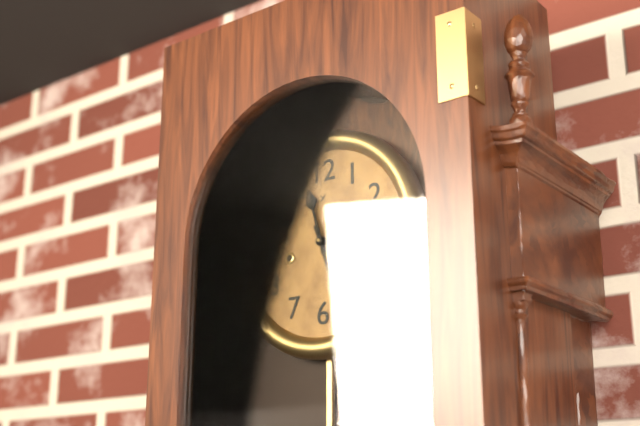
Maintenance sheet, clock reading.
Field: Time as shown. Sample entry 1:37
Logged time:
11:27
